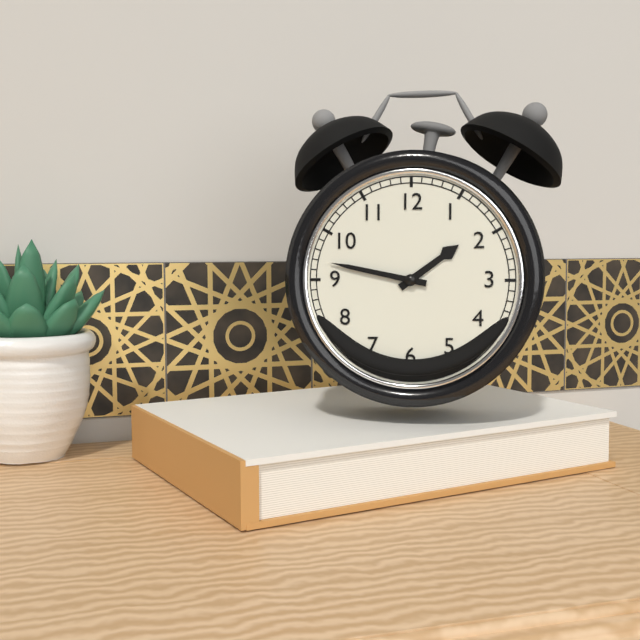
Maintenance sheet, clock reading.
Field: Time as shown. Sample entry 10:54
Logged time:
1:47
